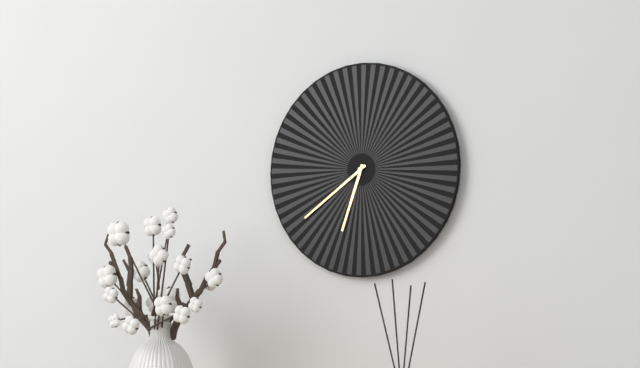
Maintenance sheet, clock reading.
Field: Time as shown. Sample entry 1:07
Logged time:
6:39
